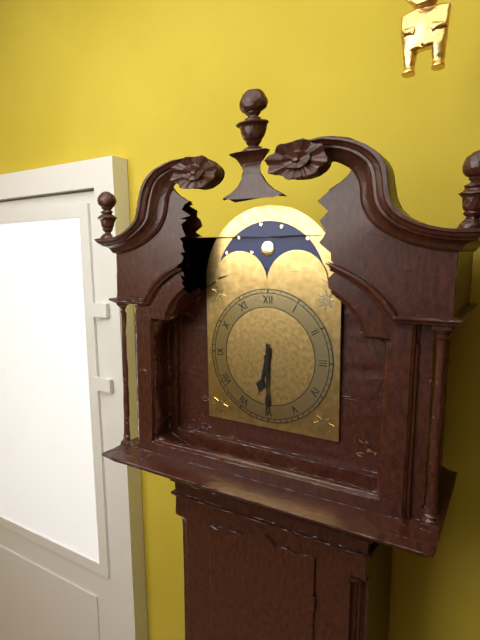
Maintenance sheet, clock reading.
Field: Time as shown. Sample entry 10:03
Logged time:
6:30
